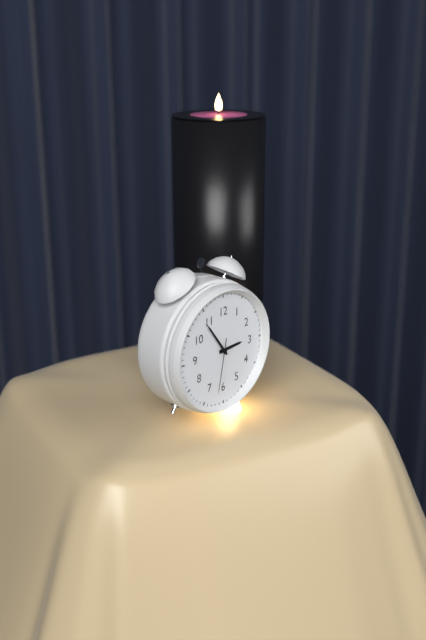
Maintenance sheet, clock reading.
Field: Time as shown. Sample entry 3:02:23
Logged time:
2:54:32
